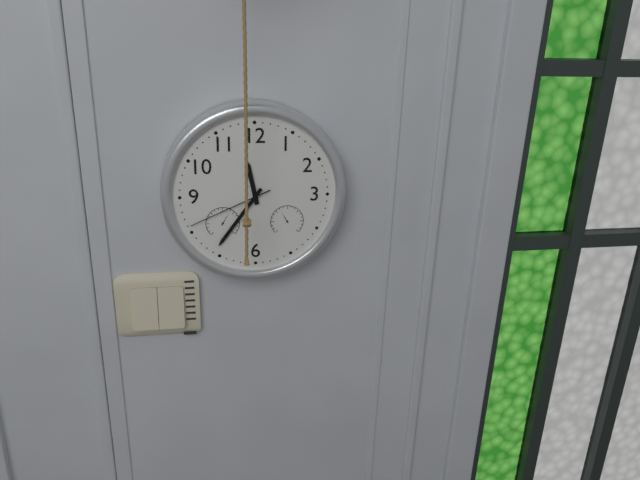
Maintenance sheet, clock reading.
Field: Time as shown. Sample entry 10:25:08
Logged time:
11:36:41
